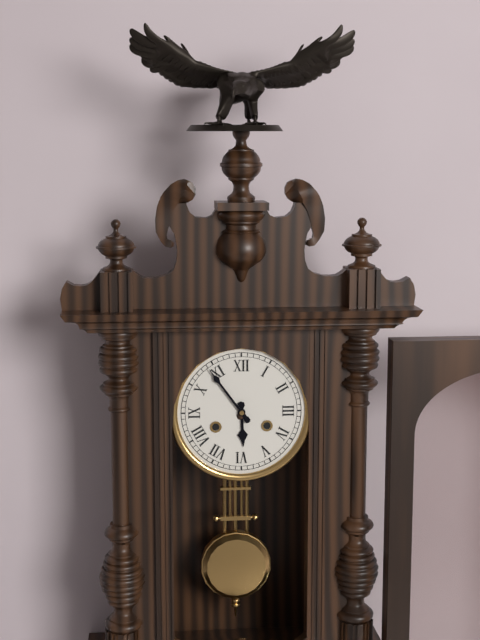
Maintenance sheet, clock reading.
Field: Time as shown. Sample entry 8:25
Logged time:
5:54
